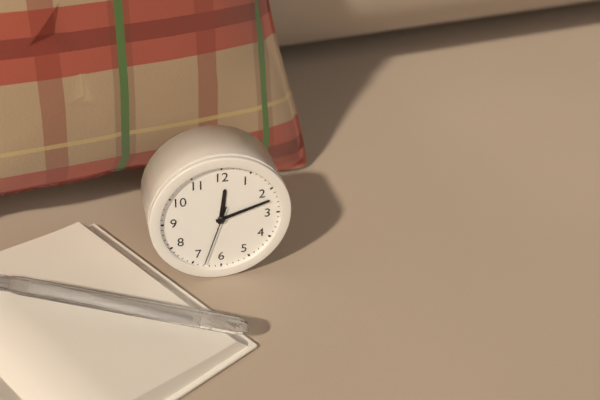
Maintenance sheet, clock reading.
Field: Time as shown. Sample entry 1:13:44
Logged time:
12:12:33
